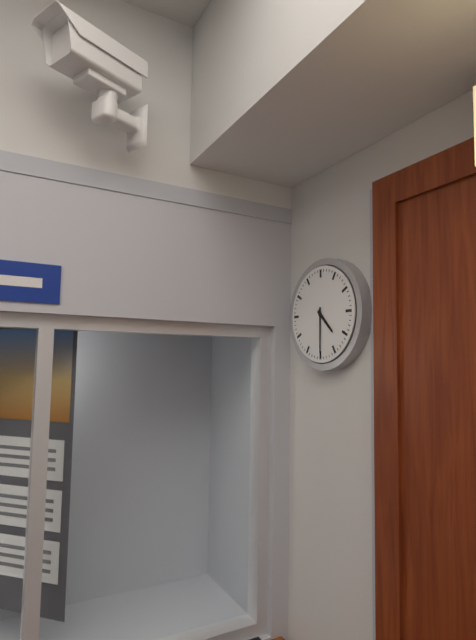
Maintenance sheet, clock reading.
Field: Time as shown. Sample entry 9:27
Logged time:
4:30
